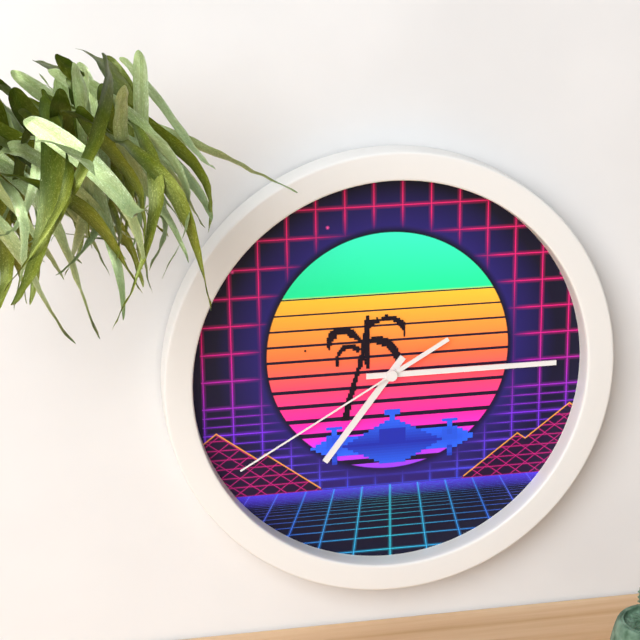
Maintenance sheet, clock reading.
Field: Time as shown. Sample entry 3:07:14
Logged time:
7:15:40
